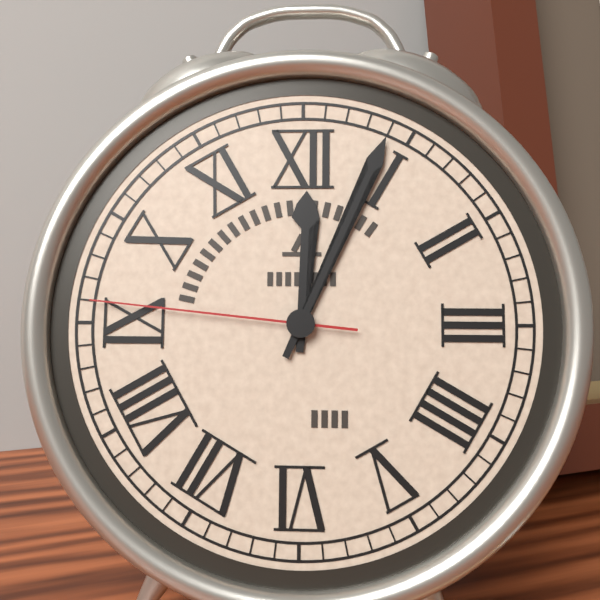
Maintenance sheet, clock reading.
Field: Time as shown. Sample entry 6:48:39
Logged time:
12:04:46
